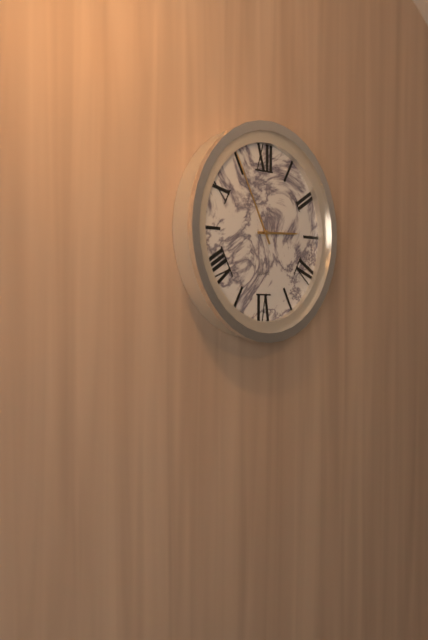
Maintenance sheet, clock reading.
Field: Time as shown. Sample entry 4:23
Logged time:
2:55
